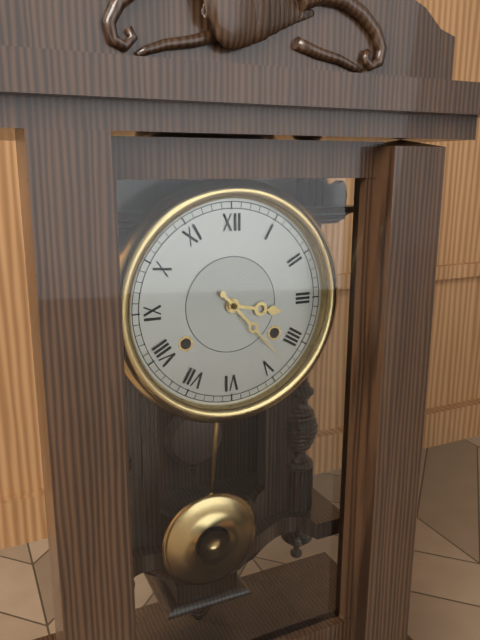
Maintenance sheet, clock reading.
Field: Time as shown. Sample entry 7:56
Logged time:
3:23
